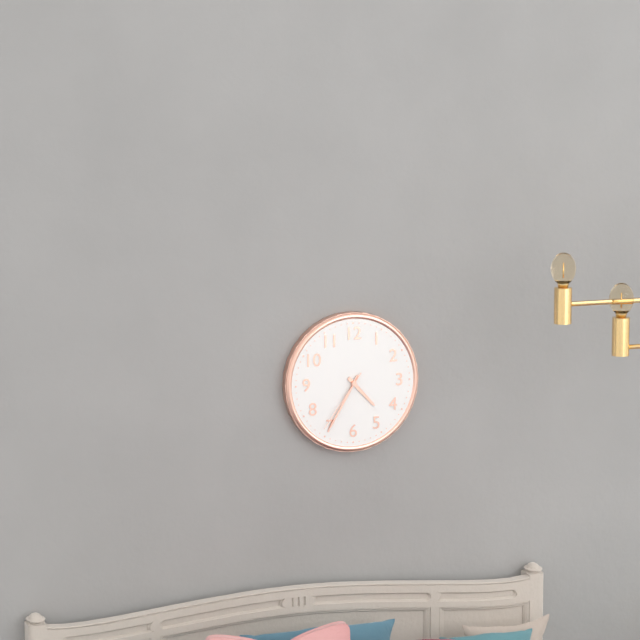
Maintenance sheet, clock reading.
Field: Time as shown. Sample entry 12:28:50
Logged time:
4:35:36
